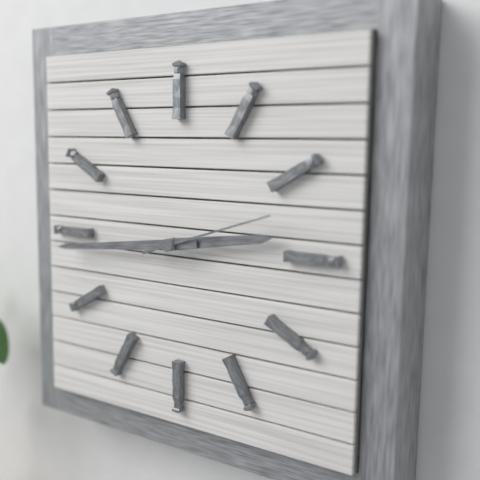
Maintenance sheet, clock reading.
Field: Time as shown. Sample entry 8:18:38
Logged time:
2:44:12
